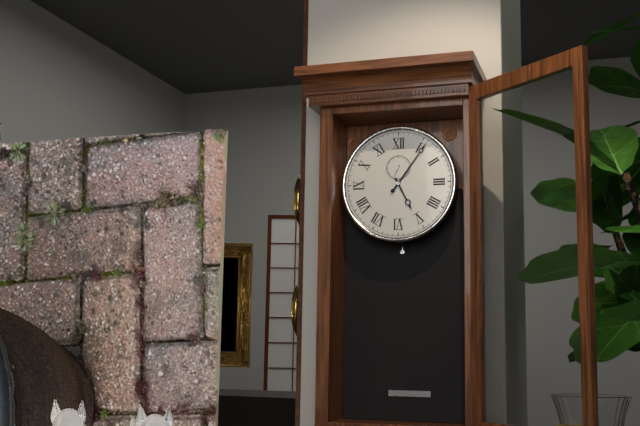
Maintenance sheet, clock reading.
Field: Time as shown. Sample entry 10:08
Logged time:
5:06
